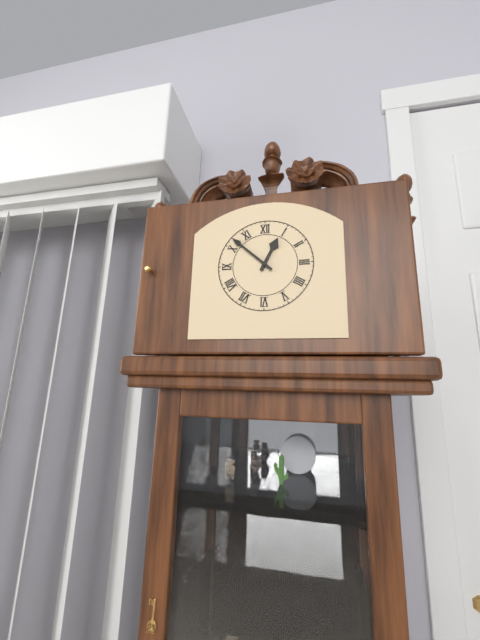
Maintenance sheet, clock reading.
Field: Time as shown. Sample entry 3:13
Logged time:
12:52
